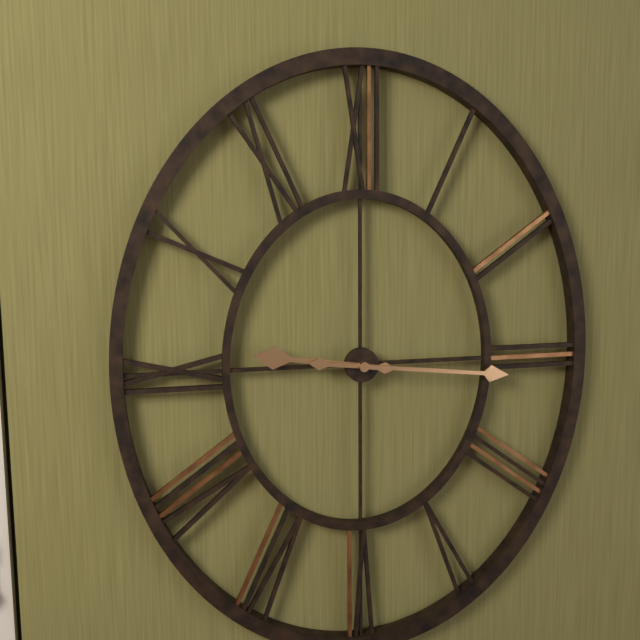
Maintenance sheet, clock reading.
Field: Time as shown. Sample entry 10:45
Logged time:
9:16
